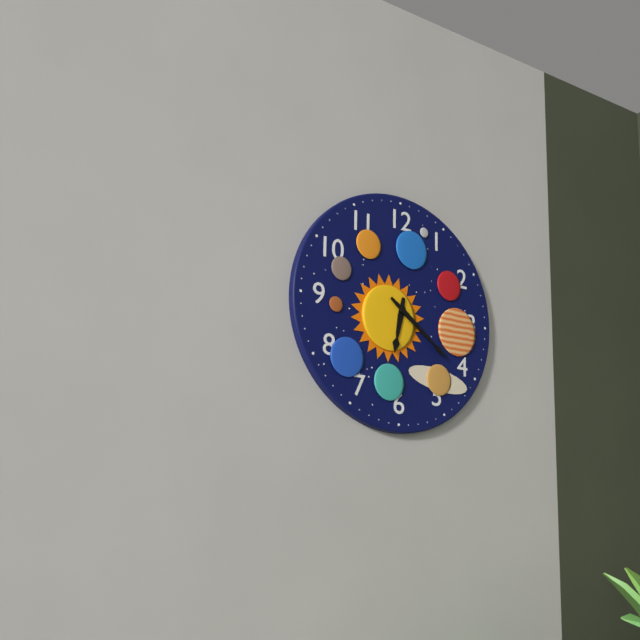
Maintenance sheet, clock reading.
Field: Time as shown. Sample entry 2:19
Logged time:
6:21
